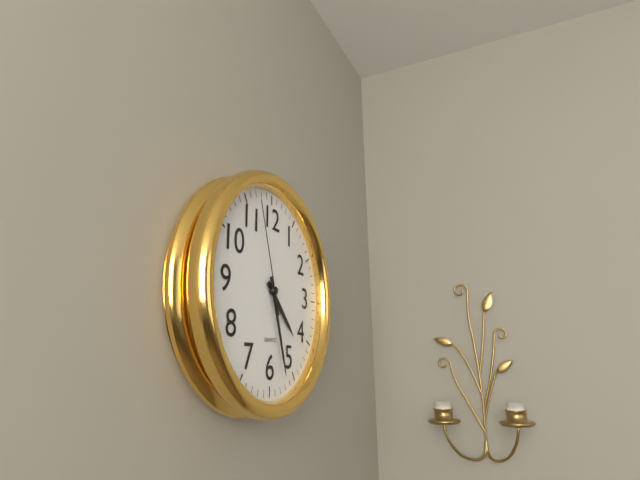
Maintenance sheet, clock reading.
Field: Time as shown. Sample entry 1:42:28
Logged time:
4:27:57
